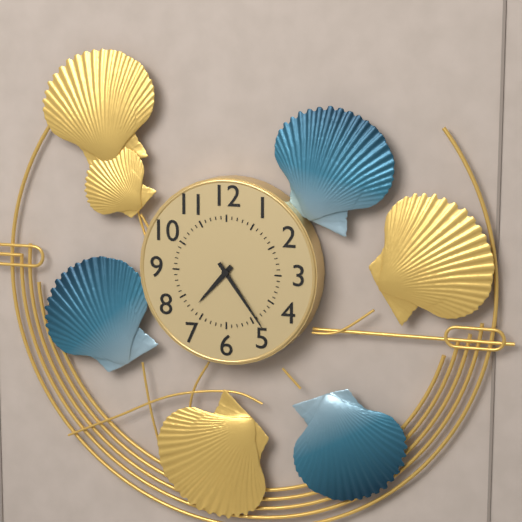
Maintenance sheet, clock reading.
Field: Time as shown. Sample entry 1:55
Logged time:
7:24
